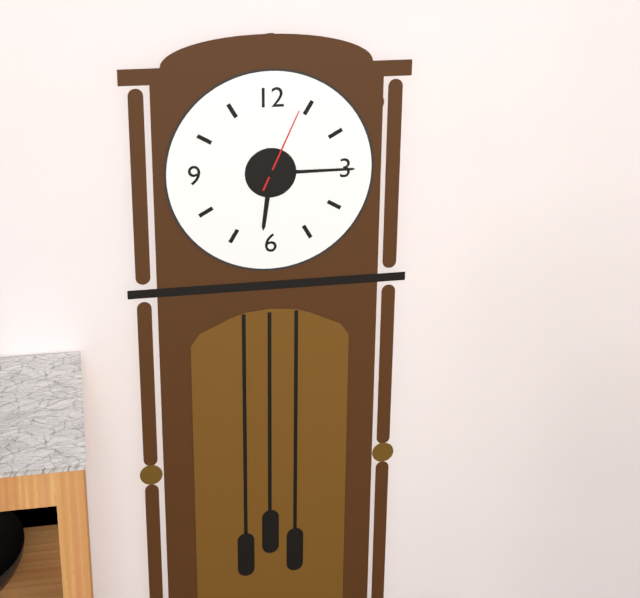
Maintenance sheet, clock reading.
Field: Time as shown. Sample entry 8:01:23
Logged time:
6:15:04
